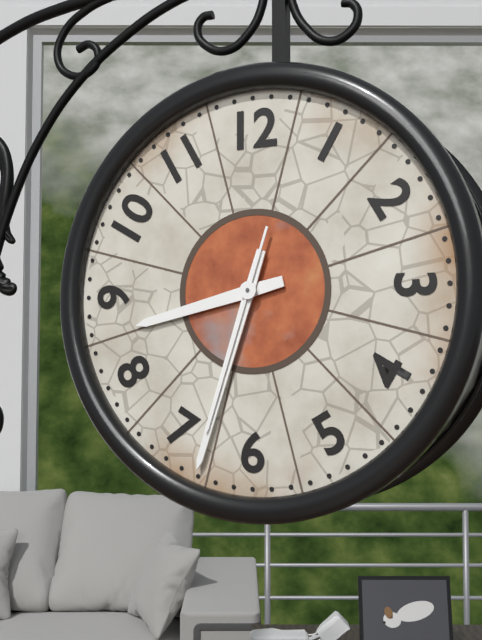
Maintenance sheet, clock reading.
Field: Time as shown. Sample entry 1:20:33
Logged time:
8:33:33
